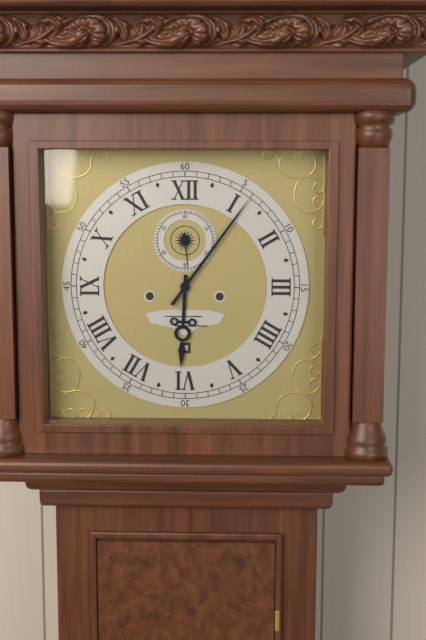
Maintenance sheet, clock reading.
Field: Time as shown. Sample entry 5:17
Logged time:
6:06
